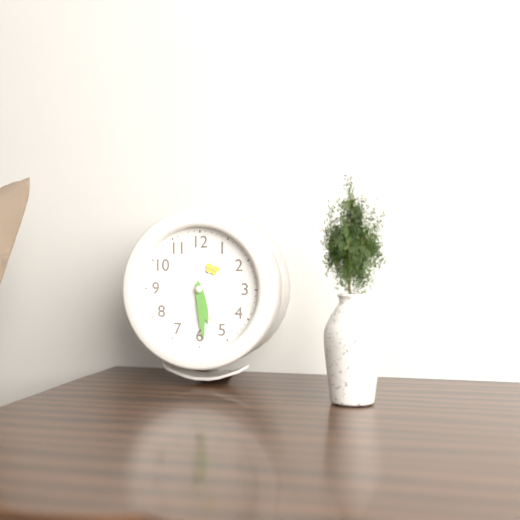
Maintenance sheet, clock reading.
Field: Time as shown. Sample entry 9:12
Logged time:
5:29
